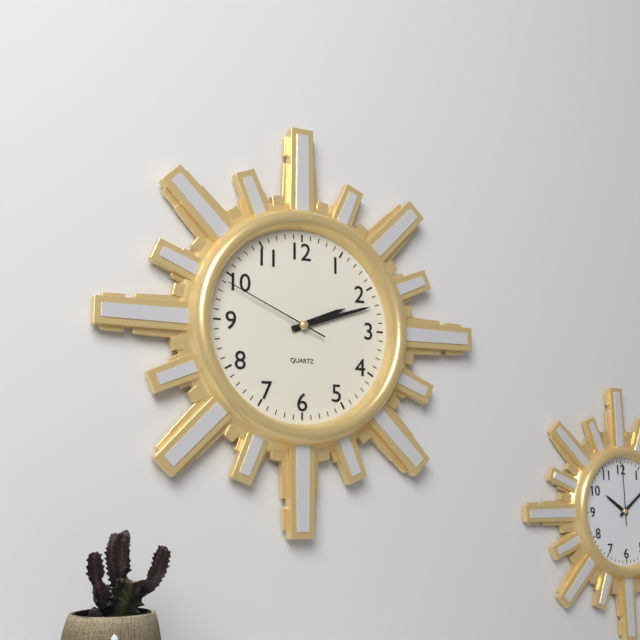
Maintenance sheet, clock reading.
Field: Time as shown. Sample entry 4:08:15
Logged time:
2:12:49
